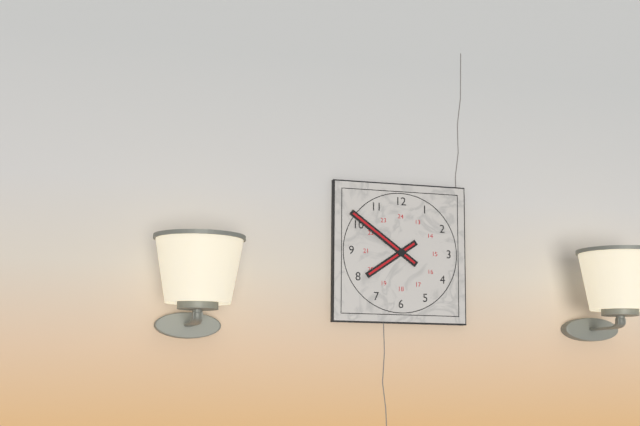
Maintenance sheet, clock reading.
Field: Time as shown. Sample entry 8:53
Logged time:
7:51
